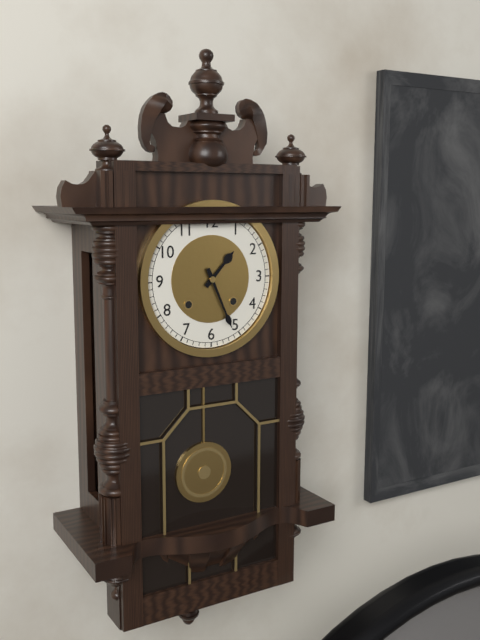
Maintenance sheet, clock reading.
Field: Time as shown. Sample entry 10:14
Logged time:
1:26
